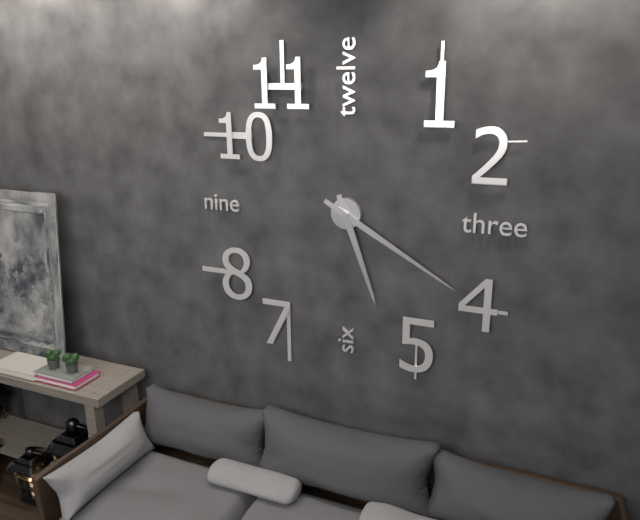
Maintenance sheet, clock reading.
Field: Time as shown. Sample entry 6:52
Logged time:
5:20
